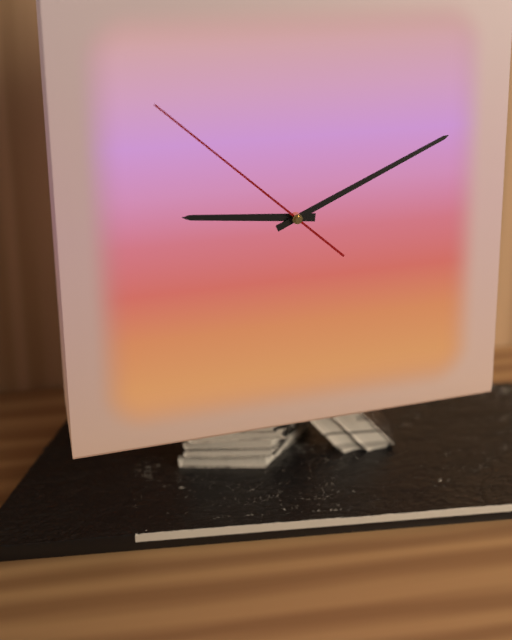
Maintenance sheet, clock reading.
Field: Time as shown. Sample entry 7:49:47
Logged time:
9:11:52
